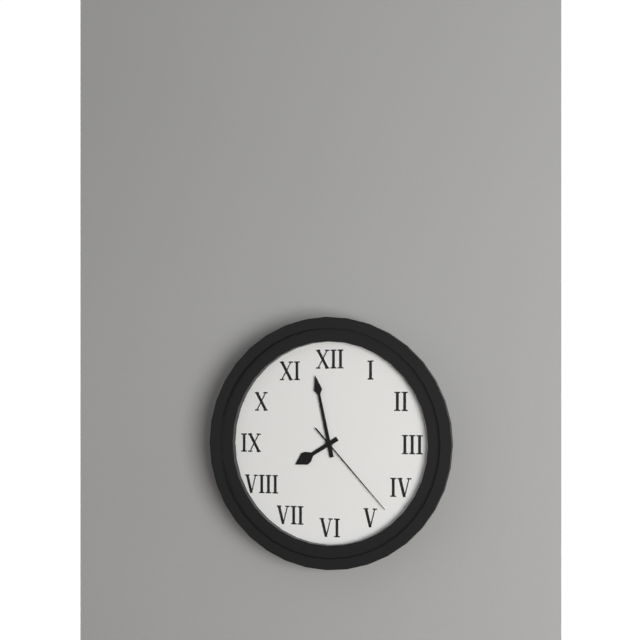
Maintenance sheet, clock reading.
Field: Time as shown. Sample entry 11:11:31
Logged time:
7:58:23
